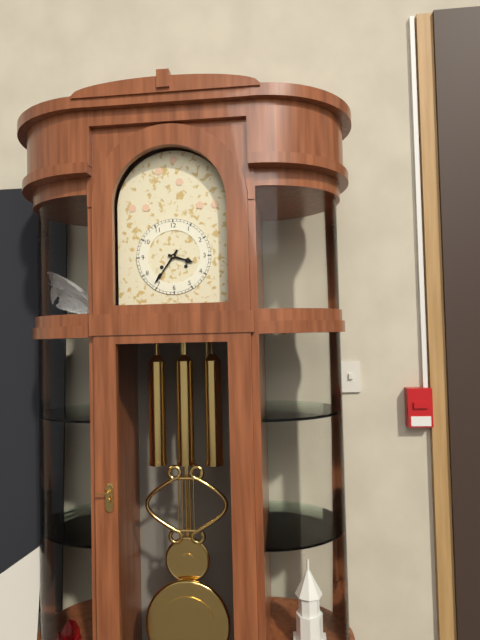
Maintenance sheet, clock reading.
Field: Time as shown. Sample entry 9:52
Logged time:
3:36
